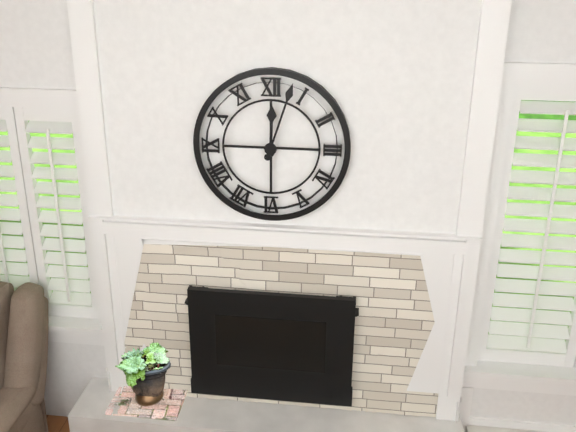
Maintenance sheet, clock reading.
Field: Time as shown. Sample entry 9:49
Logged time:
12:03
